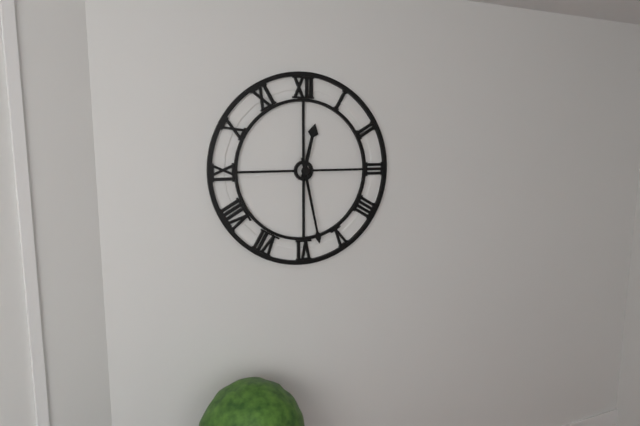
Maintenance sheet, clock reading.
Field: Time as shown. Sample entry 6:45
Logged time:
12:28
